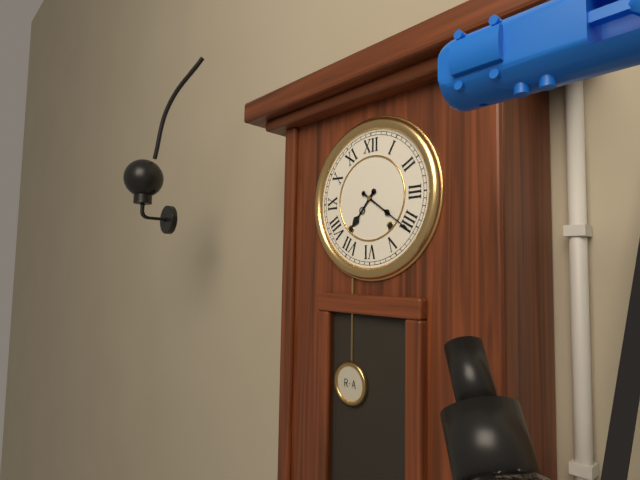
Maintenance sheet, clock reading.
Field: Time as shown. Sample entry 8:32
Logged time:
7:21
